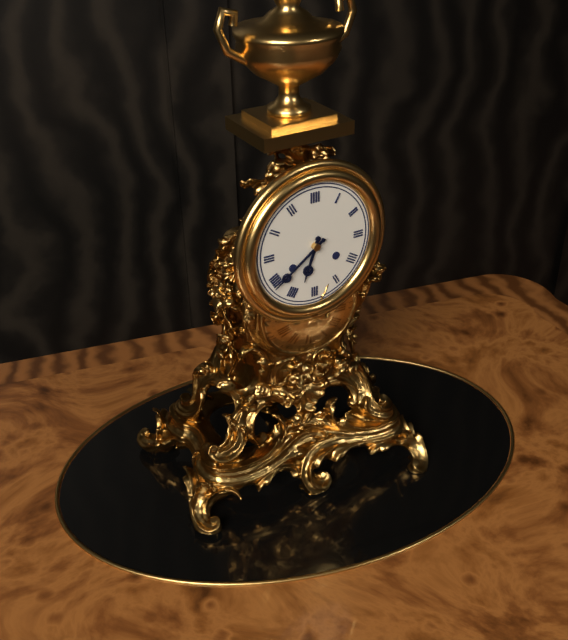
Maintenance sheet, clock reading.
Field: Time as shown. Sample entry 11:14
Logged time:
6:39
